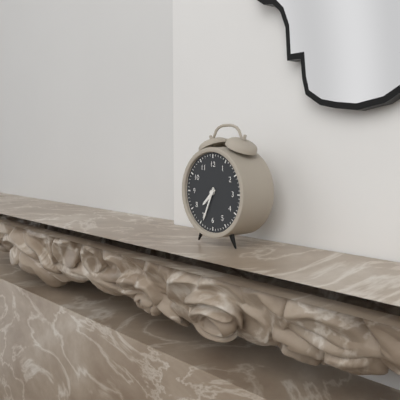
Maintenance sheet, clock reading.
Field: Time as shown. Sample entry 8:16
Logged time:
7:34
